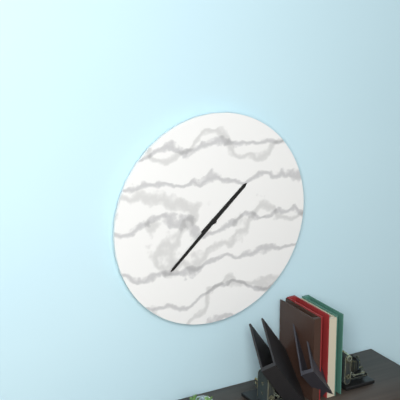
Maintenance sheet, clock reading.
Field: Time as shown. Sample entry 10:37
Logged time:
1:38
